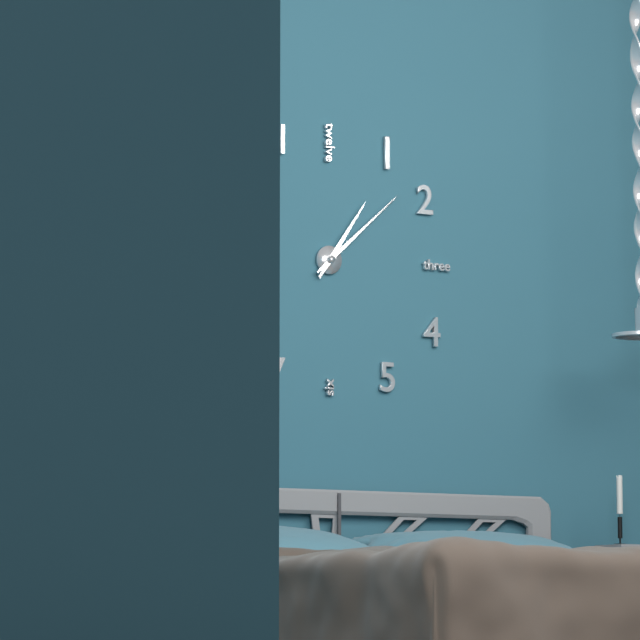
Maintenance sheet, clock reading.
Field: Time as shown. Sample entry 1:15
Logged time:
1:08
